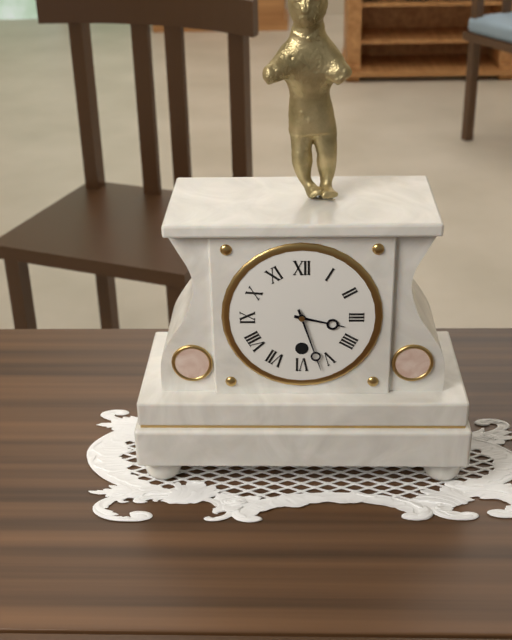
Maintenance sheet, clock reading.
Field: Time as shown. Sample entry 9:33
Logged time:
3:27
